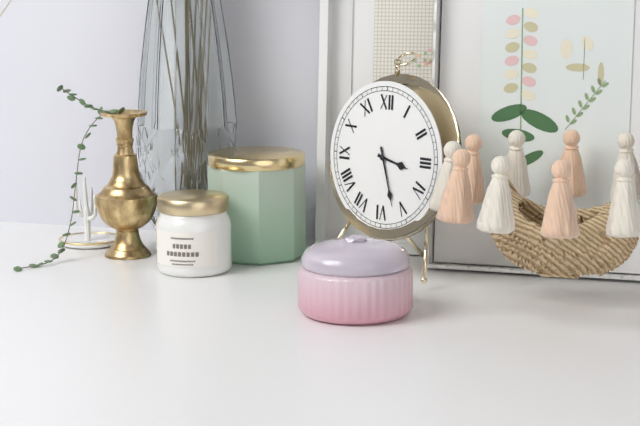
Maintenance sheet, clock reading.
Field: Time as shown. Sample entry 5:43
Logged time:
3:27
